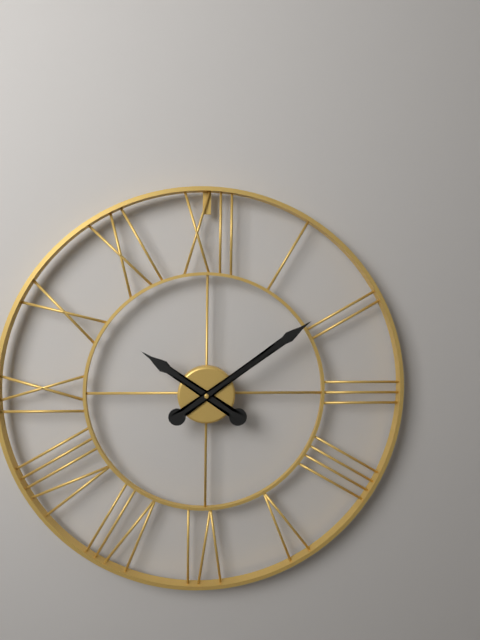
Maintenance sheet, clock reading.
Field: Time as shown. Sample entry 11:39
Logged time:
10:09
